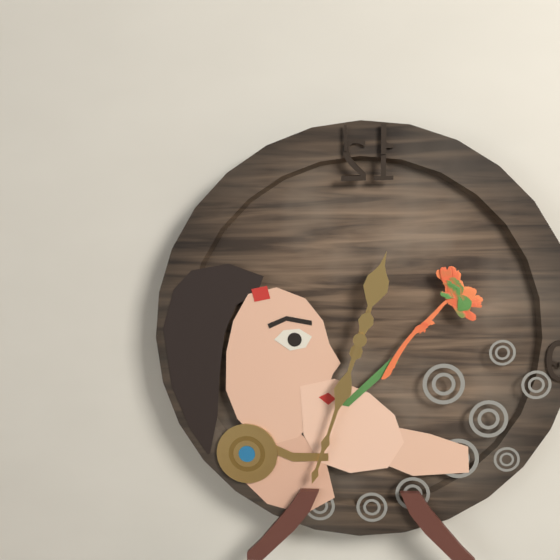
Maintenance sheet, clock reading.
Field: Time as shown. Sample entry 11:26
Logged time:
12:33
